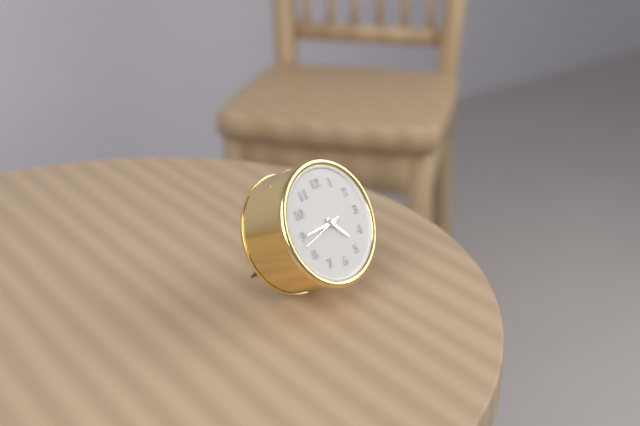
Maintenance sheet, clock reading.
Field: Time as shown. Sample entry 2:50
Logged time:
4:45
